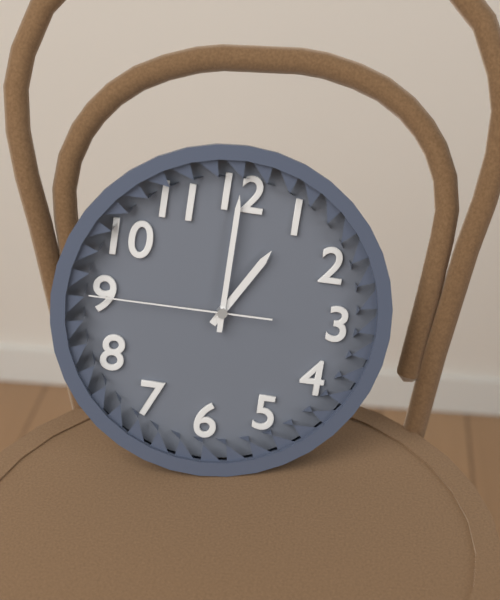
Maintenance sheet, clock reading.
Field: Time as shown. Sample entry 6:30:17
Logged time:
1:00:45
